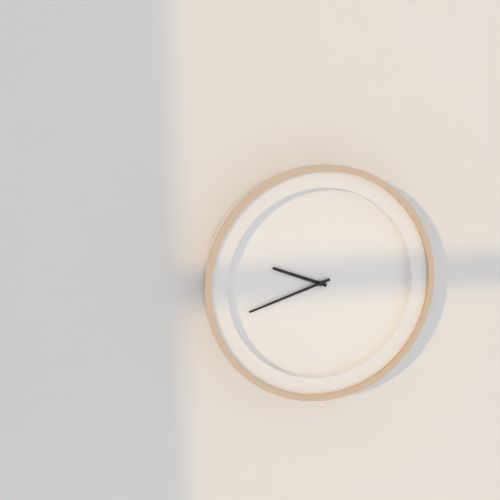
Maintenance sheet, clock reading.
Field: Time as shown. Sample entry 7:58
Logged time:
9:42
